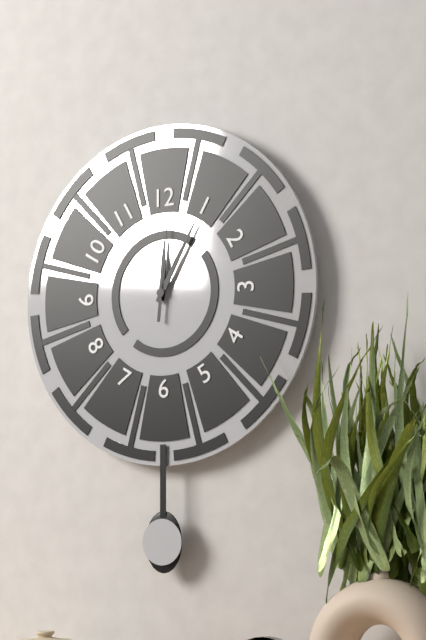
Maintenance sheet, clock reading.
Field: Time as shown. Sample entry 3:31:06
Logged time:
12:05:01
